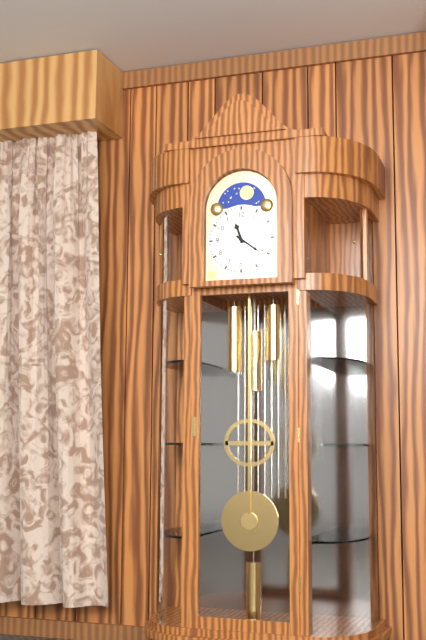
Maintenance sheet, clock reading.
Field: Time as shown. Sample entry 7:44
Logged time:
11:21
